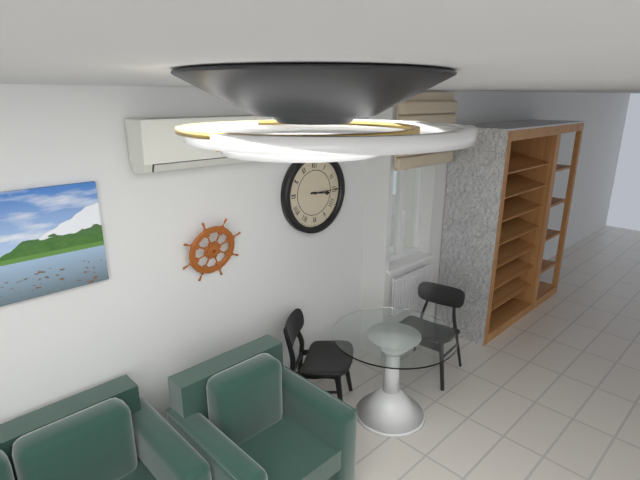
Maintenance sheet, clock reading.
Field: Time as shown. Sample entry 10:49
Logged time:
3:15
